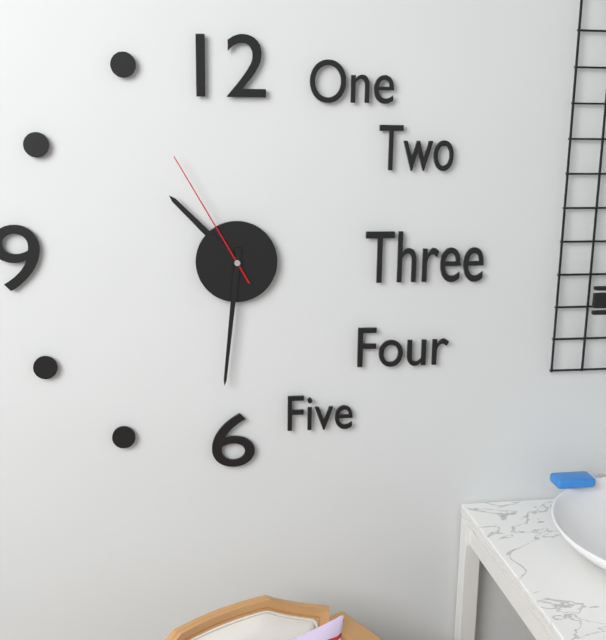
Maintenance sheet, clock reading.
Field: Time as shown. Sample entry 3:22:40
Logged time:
10:31:55
